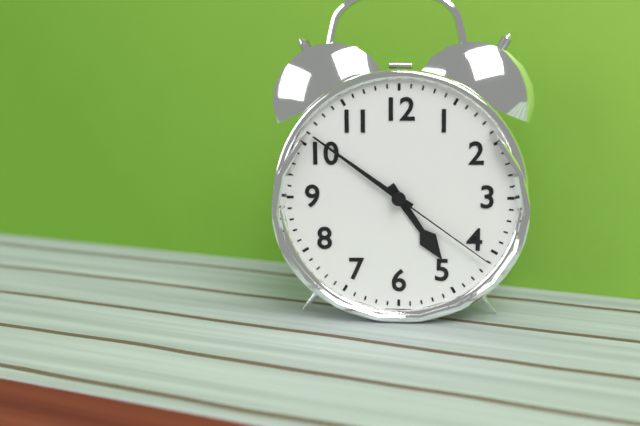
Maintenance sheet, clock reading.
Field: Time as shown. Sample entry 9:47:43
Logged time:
4:51:21
